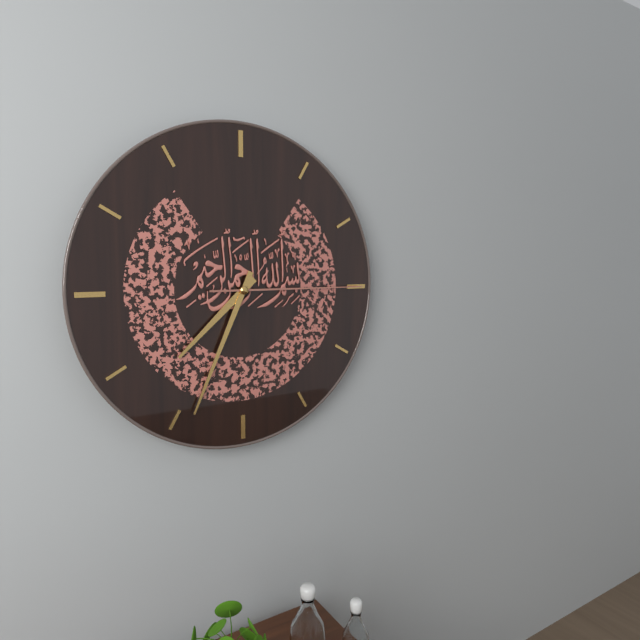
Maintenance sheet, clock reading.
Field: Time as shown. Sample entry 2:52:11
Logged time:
7:34:15
